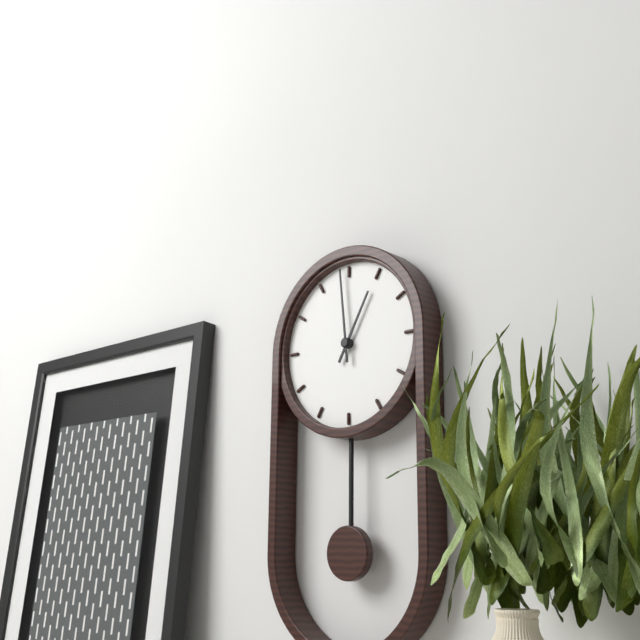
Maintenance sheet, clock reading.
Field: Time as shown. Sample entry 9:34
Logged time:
12:59
